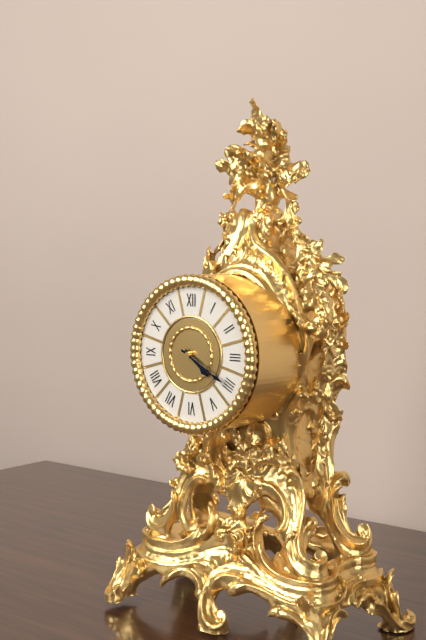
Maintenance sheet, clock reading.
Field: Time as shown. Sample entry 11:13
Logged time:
4:20
